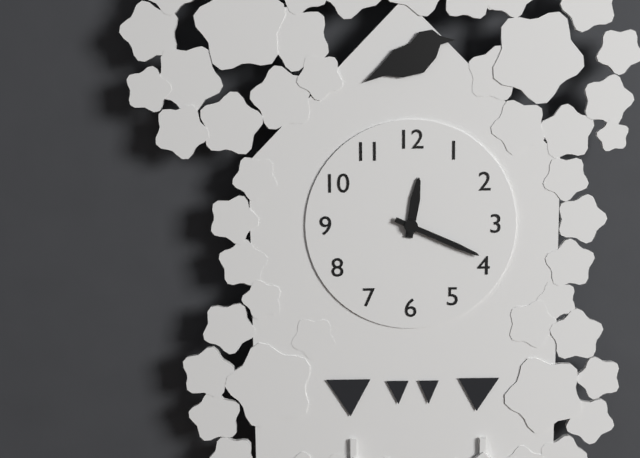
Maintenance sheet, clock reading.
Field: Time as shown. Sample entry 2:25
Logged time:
12:19
